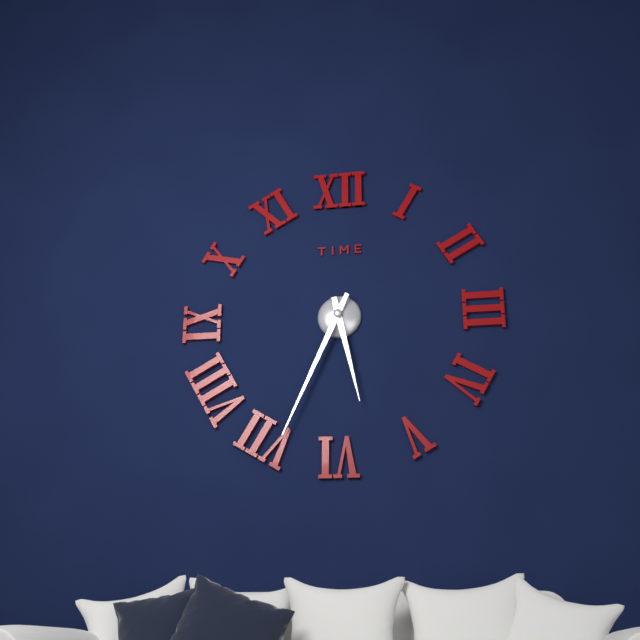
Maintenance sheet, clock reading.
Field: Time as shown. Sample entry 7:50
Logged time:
5:34
